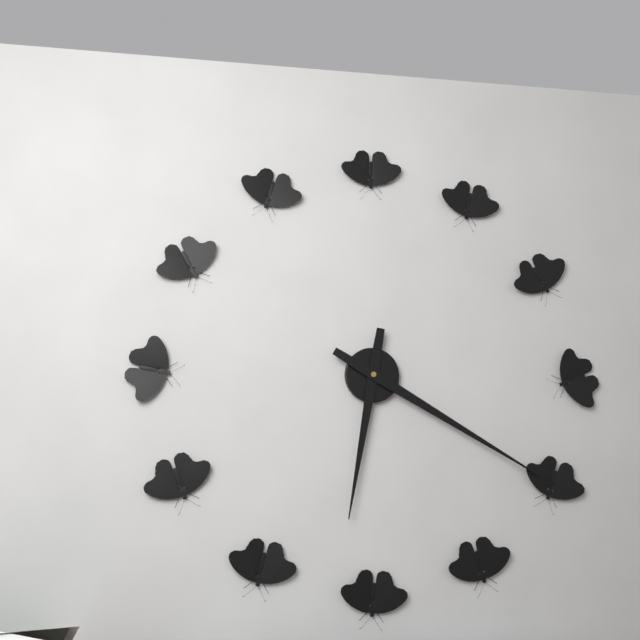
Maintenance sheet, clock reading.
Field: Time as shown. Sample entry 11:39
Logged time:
6:20
